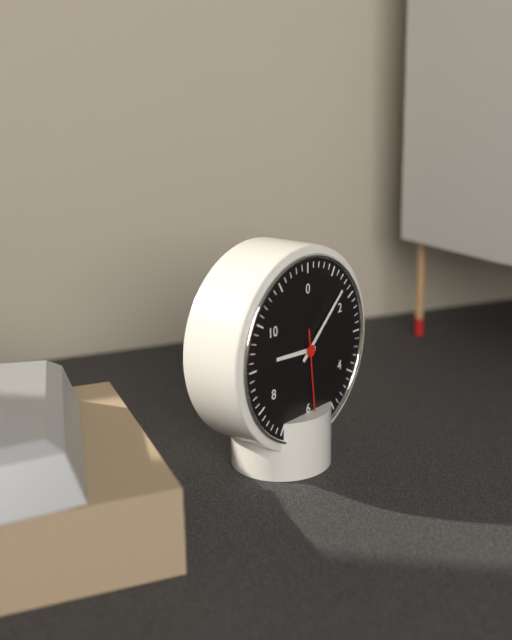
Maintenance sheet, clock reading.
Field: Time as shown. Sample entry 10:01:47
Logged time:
9:08:29
